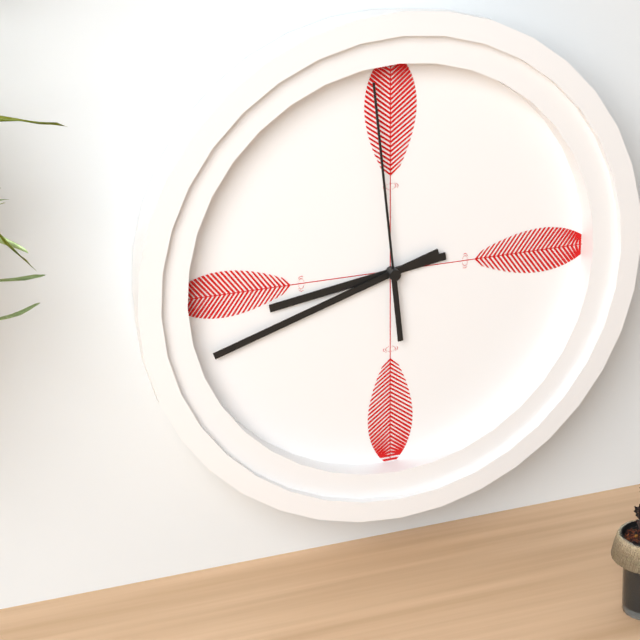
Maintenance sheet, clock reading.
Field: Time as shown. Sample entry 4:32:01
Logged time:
8:42:59
